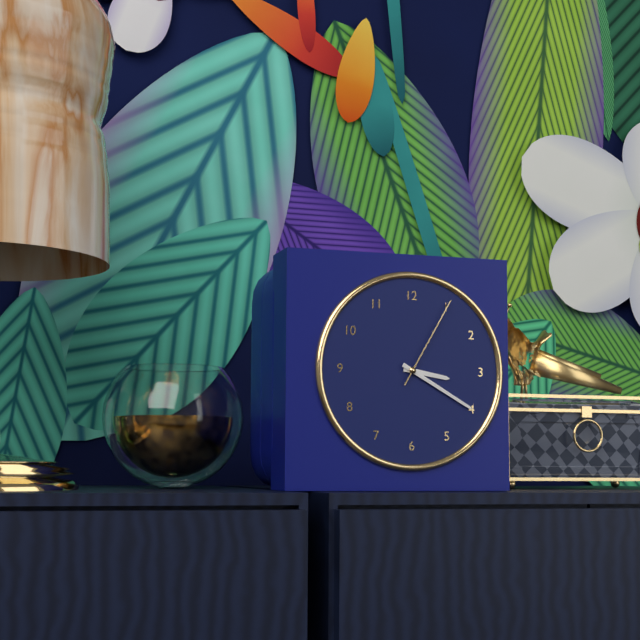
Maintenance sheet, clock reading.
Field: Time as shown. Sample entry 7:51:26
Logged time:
3:20:05
